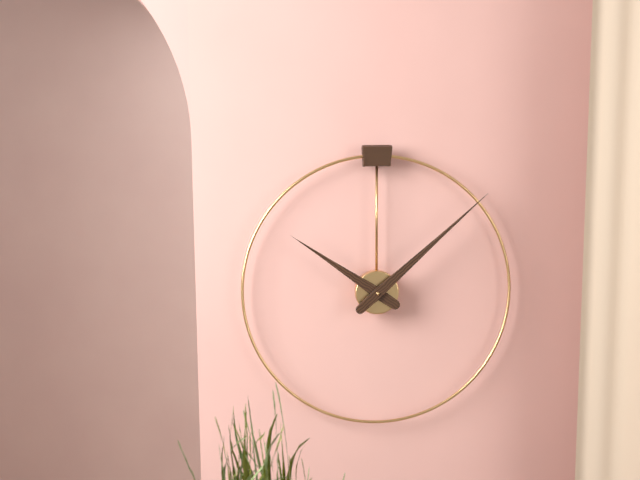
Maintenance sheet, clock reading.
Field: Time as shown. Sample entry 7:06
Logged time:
10:08
